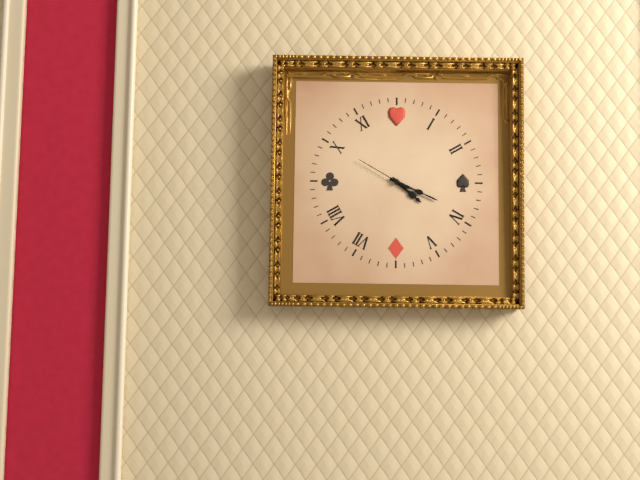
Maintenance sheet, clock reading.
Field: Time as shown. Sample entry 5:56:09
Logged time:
4:19:50
